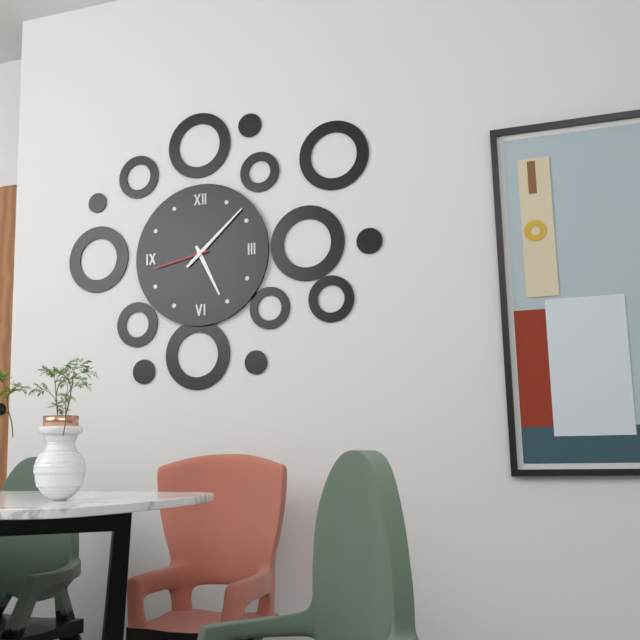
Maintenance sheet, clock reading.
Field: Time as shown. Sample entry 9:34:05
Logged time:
5:08:43
